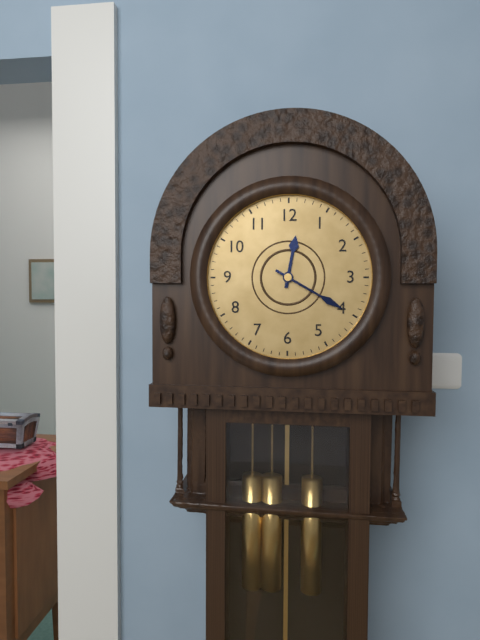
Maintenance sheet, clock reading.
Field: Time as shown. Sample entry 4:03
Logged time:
12:20
